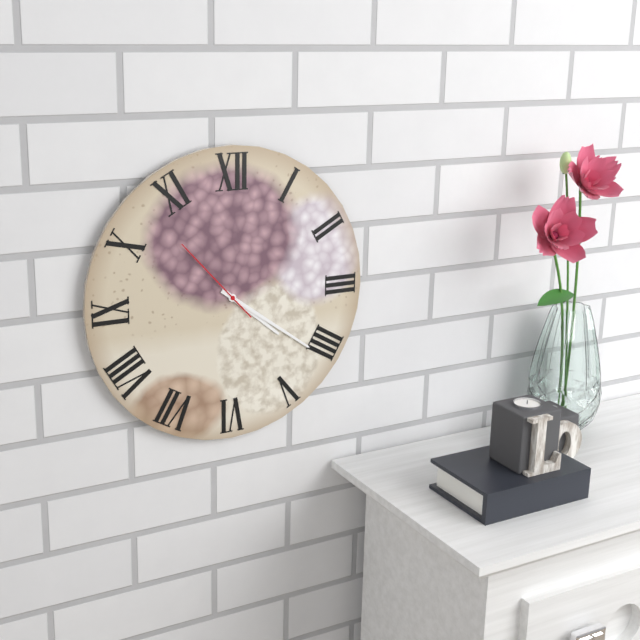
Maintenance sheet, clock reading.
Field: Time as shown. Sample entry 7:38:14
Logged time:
4:21:53
